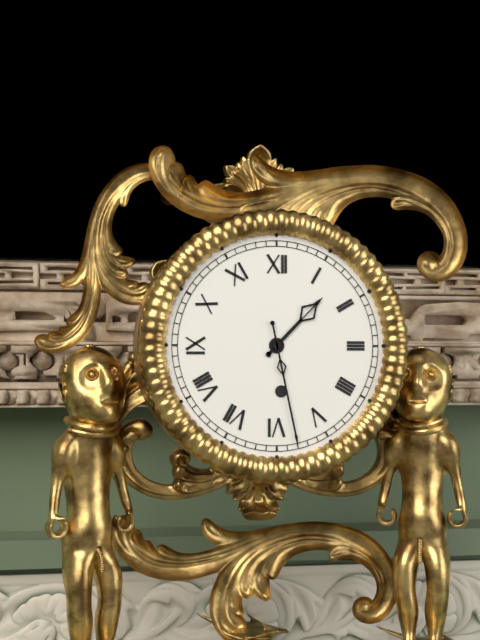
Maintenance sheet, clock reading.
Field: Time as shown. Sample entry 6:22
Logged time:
1:28
